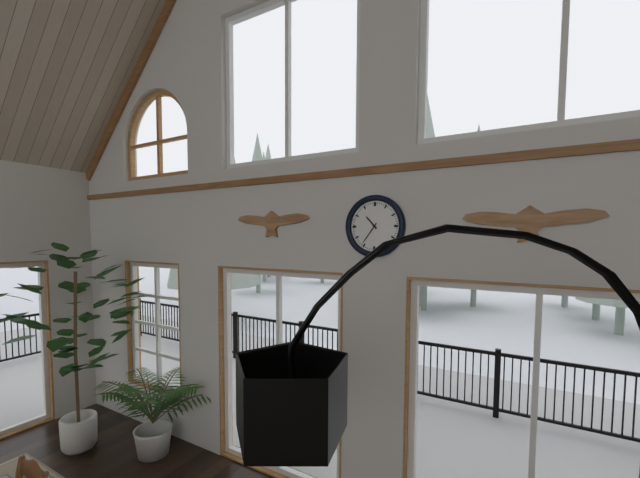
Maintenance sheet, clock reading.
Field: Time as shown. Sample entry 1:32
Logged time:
10:36
